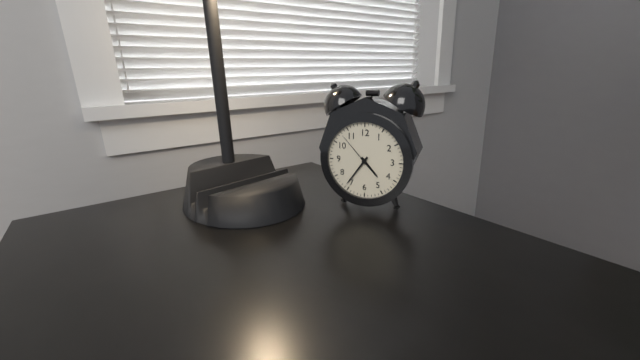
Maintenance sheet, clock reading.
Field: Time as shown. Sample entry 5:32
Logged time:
4:36
